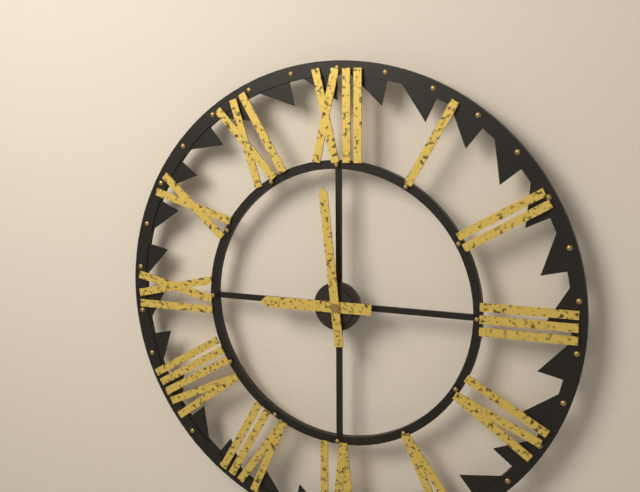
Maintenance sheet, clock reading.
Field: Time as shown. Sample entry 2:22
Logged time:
8:59
